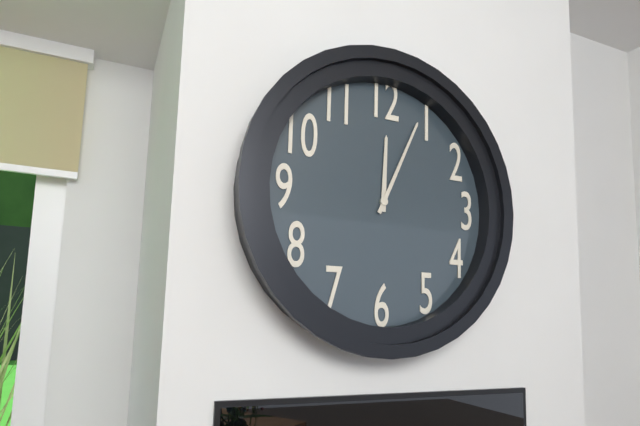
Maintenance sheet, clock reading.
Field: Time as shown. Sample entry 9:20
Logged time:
12:04
